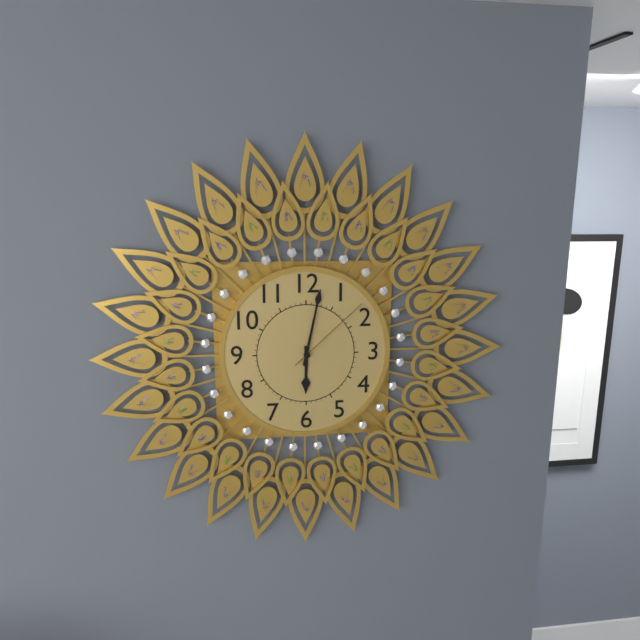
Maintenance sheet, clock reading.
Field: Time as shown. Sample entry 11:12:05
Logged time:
6:02:08
